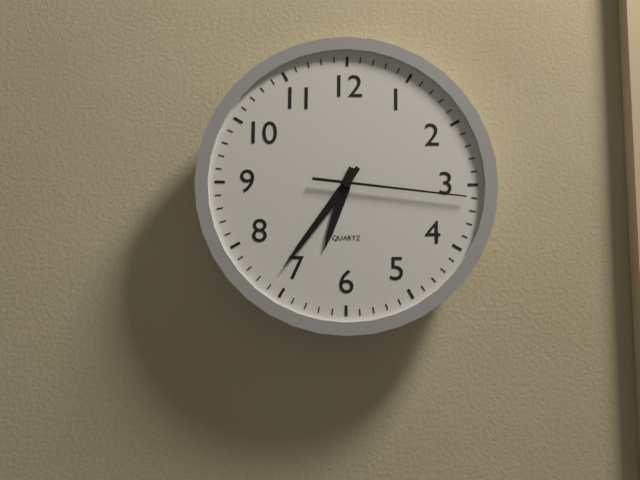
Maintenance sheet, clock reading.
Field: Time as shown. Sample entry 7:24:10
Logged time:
6:36:16
